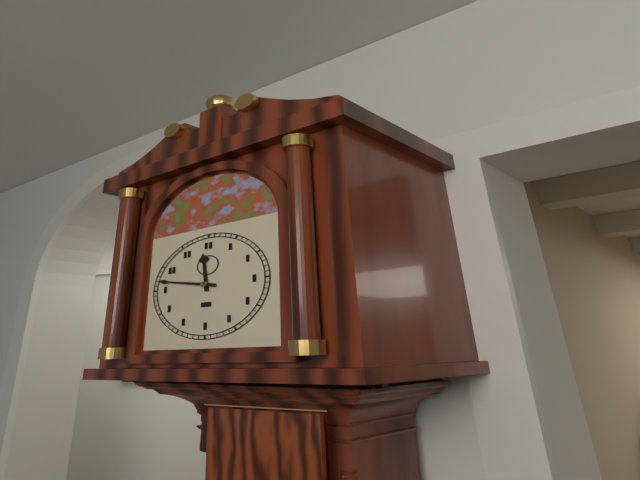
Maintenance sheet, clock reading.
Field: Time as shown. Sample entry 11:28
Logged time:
11:47
